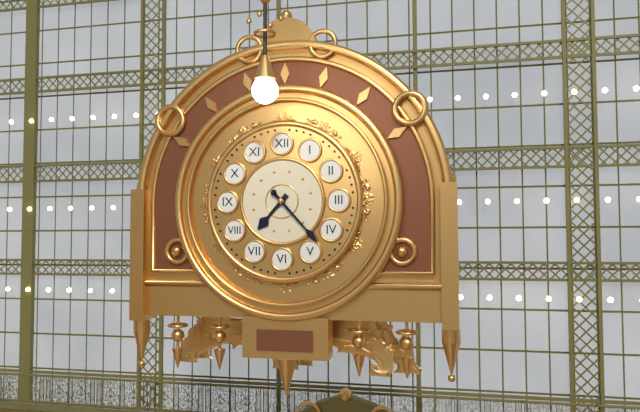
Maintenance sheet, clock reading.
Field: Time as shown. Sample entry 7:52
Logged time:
7:23
